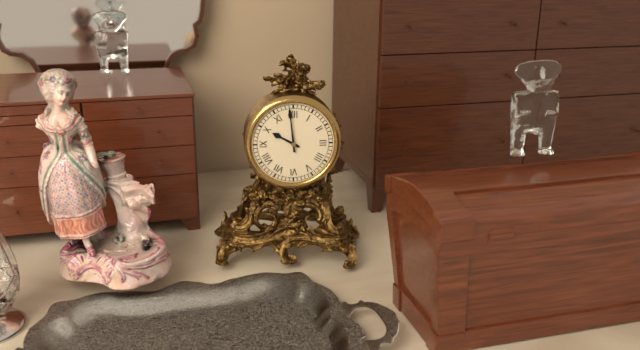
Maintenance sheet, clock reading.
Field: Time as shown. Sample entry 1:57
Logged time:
9:59
